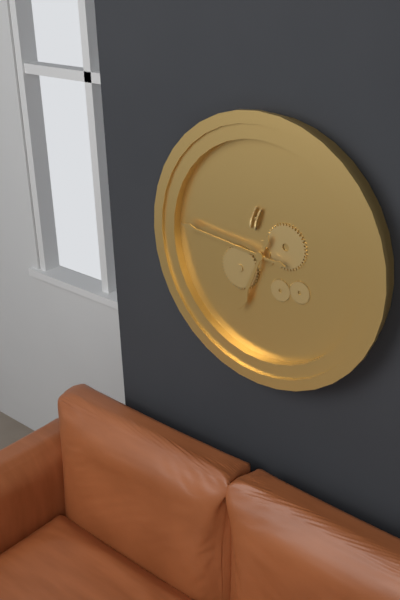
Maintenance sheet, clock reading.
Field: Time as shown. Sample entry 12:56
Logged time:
6:46
